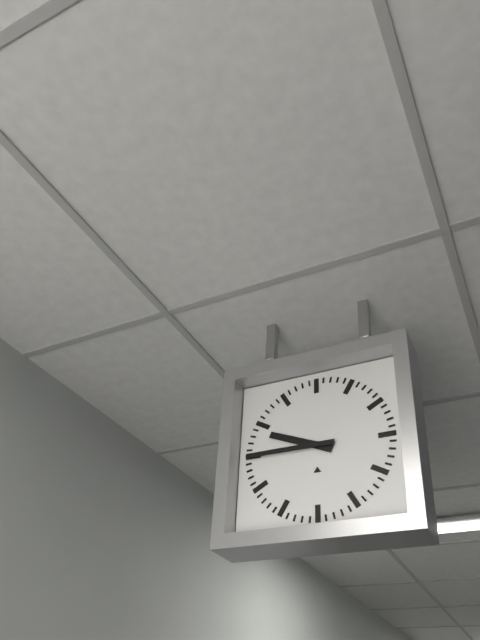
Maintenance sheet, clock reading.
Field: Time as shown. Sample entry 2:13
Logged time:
9:45
